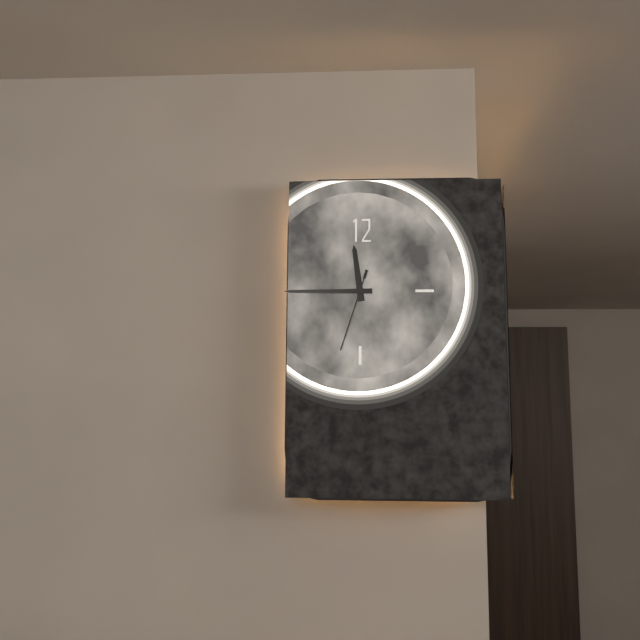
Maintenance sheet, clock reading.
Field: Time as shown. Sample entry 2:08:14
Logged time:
11:45:33
